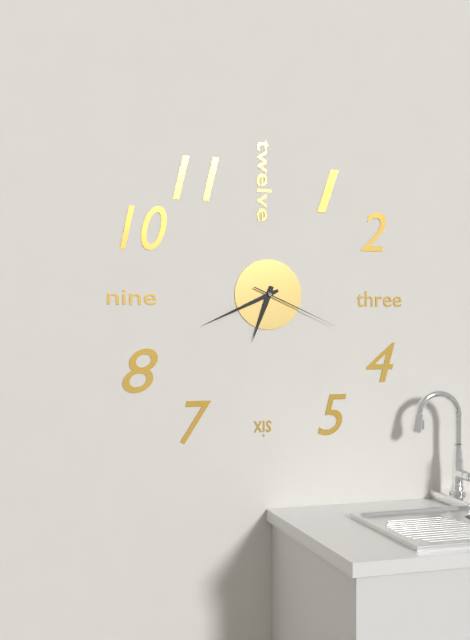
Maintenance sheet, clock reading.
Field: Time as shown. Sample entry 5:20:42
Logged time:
6:41:19
